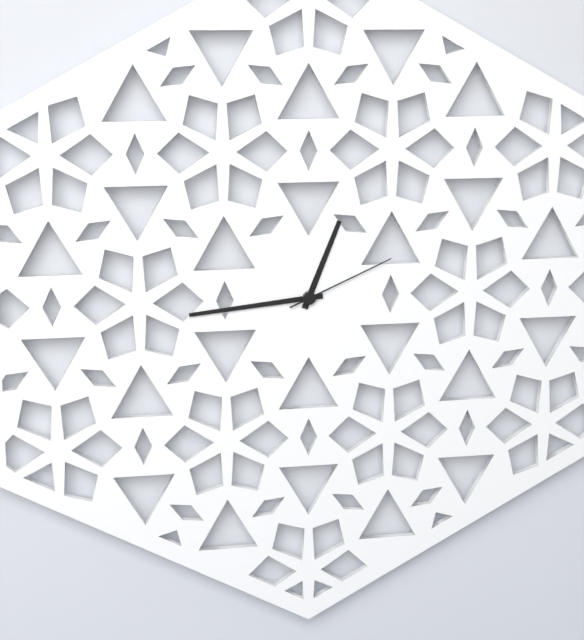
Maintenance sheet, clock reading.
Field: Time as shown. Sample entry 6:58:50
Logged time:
12:44:11
